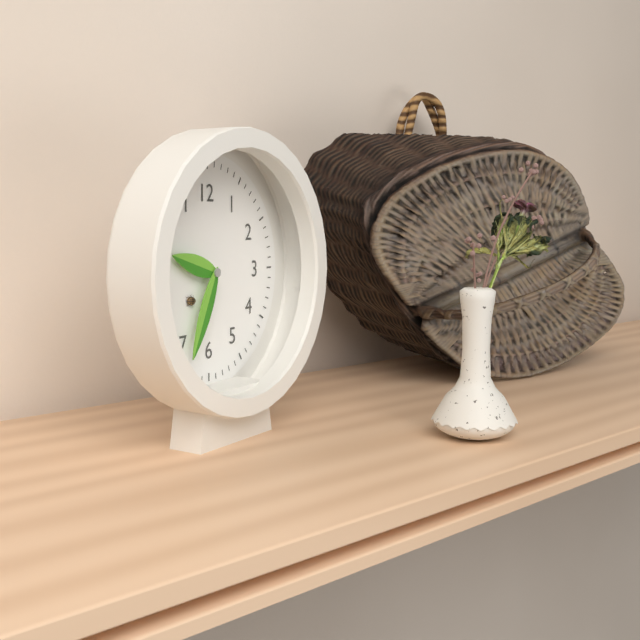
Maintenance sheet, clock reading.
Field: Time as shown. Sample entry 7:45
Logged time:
9:34
